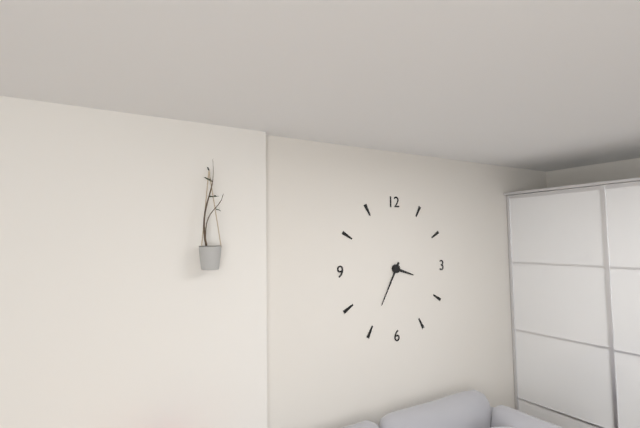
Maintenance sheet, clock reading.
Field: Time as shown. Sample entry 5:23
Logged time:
3:35
